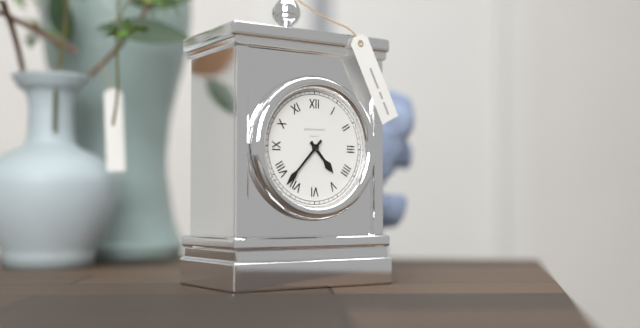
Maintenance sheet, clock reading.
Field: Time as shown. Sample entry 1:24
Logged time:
4:37
